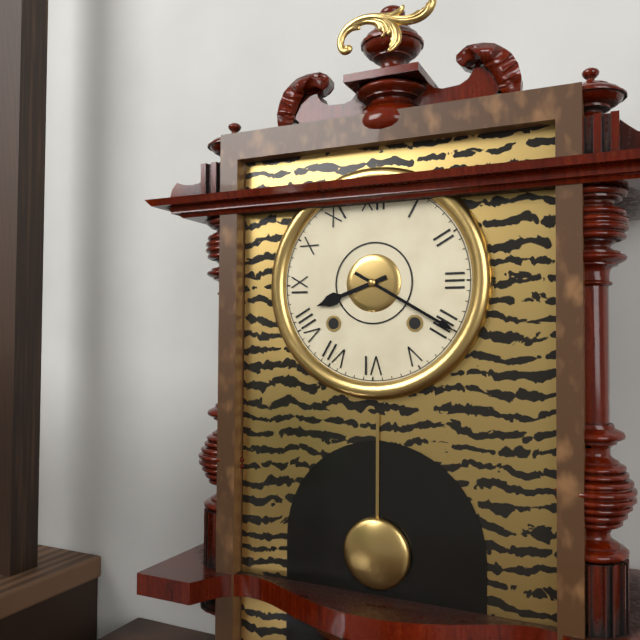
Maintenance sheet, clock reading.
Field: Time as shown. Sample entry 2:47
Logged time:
8:20
